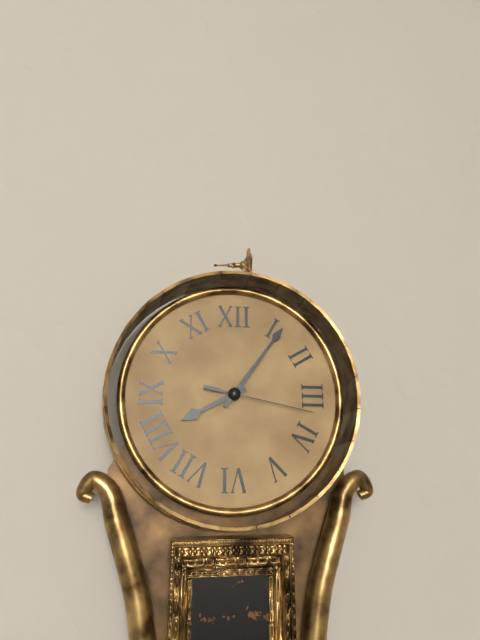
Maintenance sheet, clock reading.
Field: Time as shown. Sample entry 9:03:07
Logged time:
8:06:17
